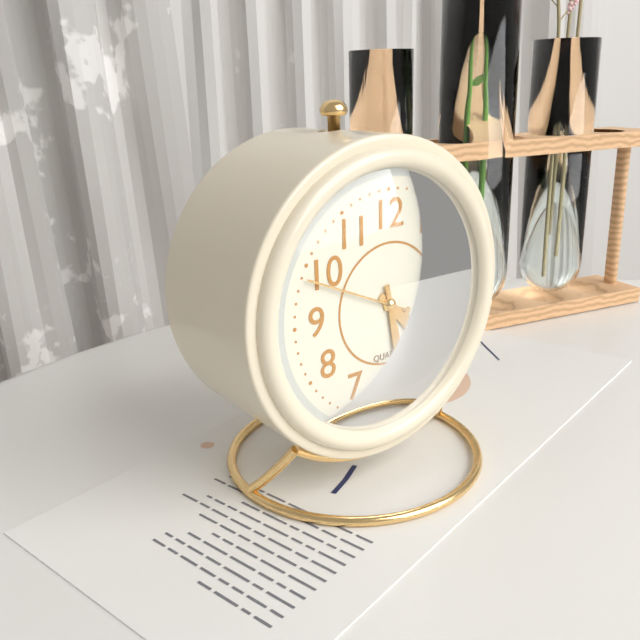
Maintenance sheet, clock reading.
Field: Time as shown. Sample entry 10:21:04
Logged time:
4:28:49
